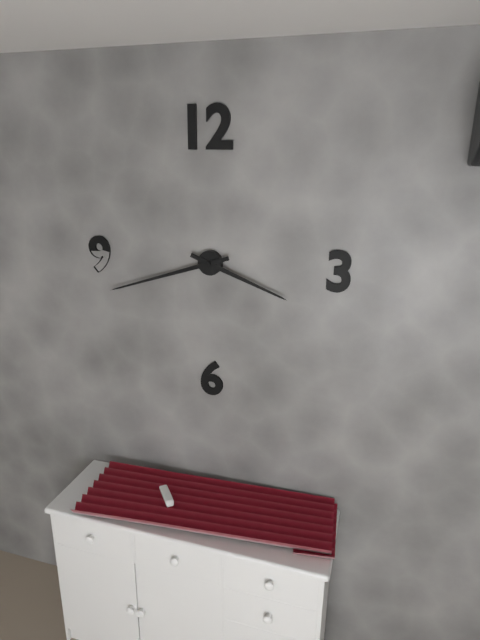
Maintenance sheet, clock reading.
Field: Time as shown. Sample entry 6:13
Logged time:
3:42
